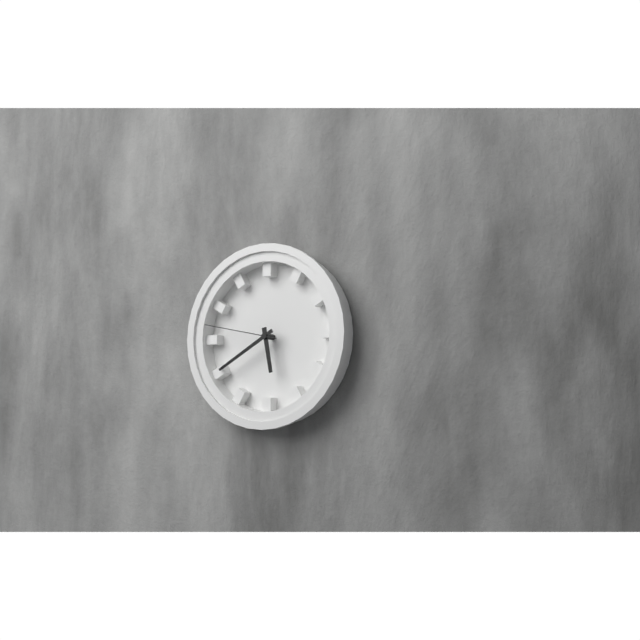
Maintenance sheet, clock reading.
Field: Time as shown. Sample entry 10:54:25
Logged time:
5:40:47
